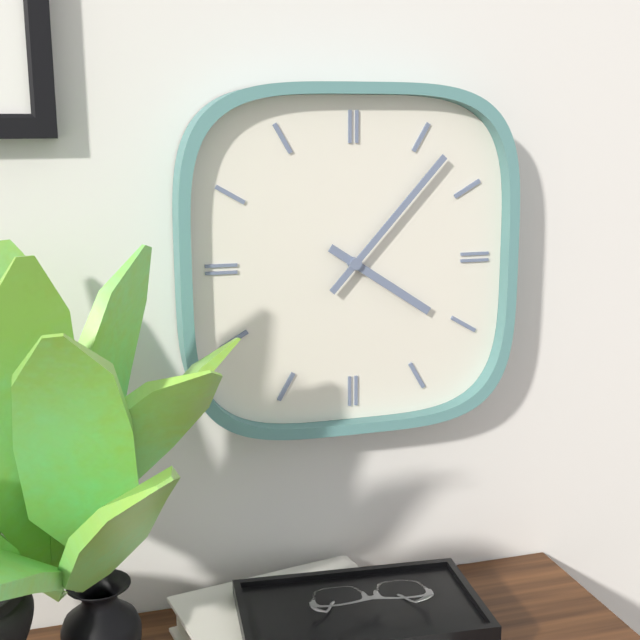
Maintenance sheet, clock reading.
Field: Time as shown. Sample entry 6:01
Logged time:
4:07
